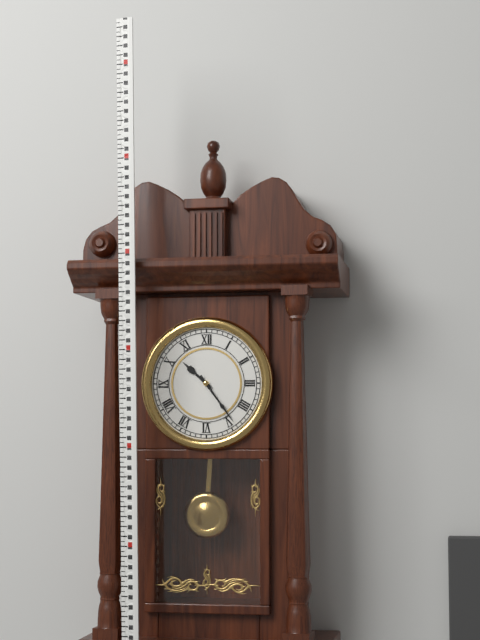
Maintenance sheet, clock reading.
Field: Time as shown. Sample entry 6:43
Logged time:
10:24
